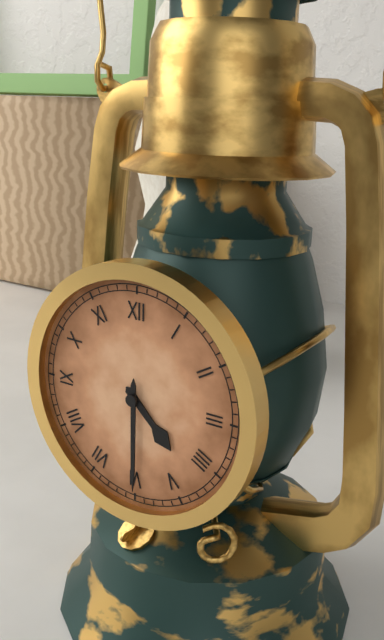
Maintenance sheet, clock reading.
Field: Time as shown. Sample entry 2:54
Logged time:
4:30
